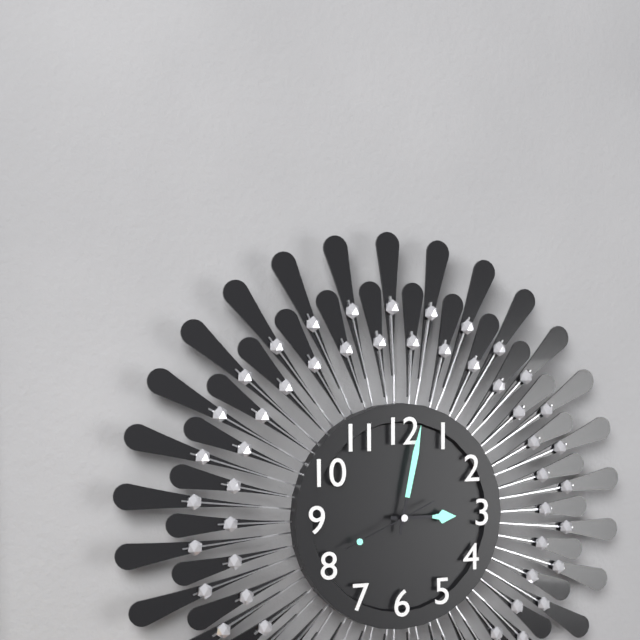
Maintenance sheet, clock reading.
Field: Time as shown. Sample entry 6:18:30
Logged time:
3:02:41
